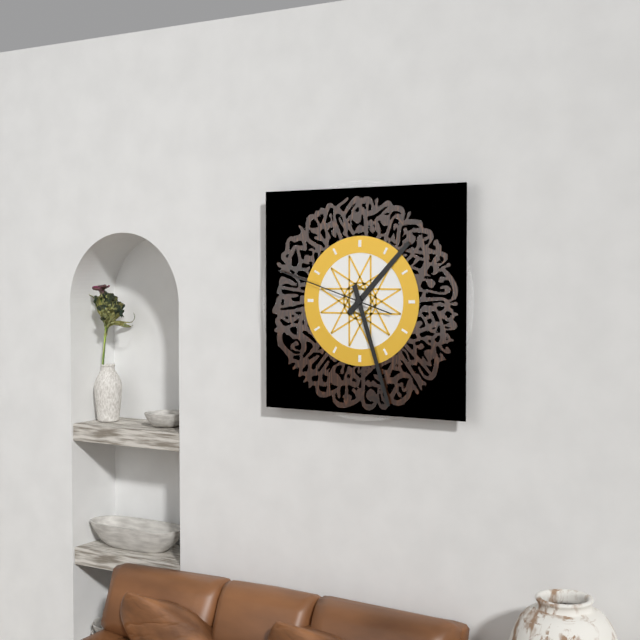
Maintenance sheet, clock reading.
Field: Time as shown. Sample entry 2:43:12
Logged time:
1:27:48
